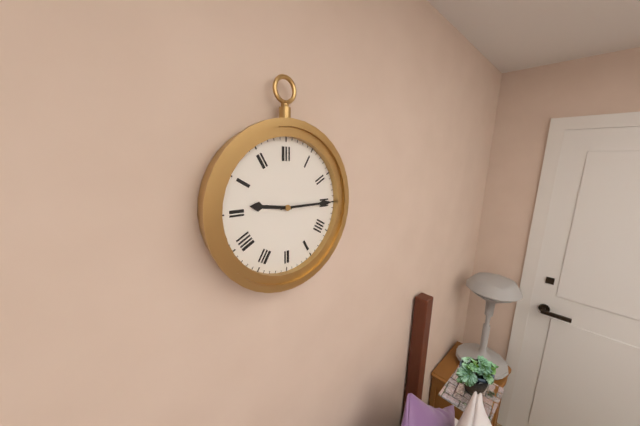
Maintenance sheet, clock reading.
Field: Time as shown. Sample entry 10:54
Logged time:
9:15
